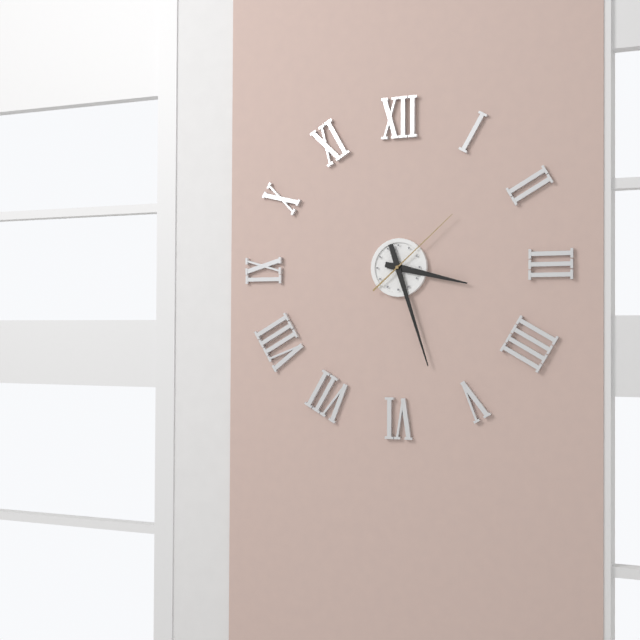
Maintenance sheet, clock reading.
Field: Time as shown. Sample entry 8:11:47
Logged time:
3:27:08
